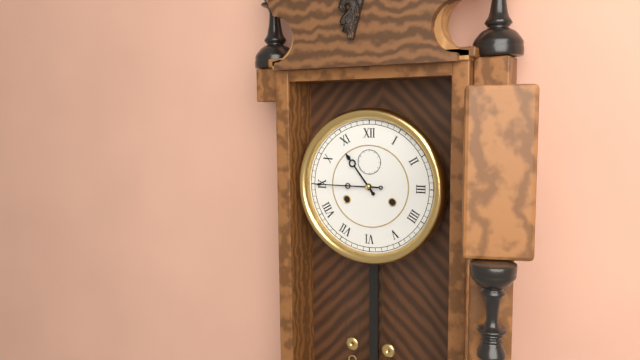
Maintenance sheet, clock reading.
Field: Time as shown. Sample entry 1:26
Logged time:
10:45
